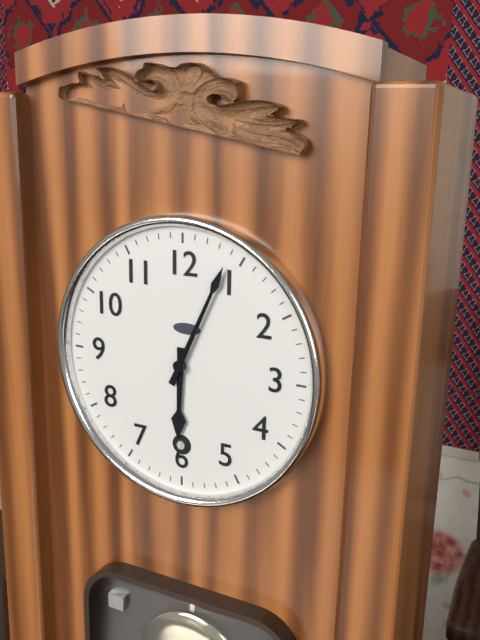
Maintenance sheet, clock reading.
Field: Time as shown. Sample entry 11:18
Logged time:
6:04
